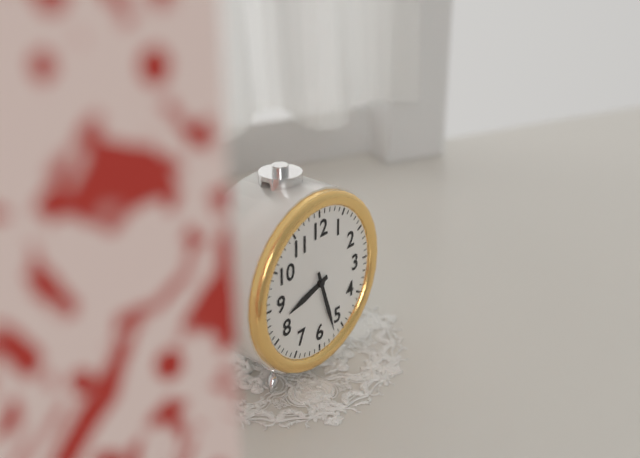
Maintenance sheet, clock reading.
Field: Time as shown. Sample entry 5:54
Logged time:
8:27
